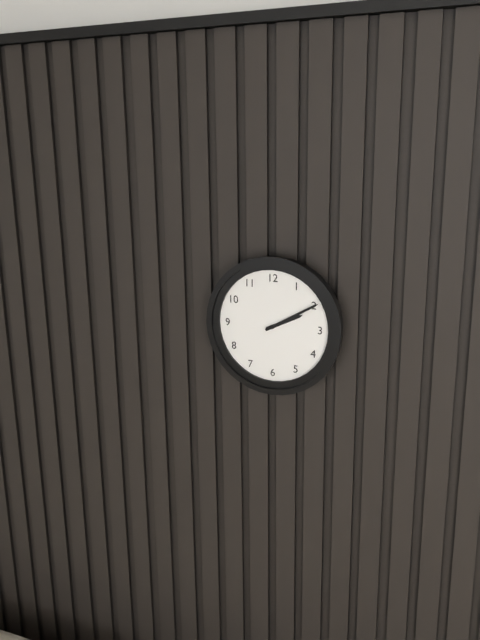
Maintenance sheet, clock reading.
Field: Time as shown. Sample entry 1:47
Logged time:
2:10
